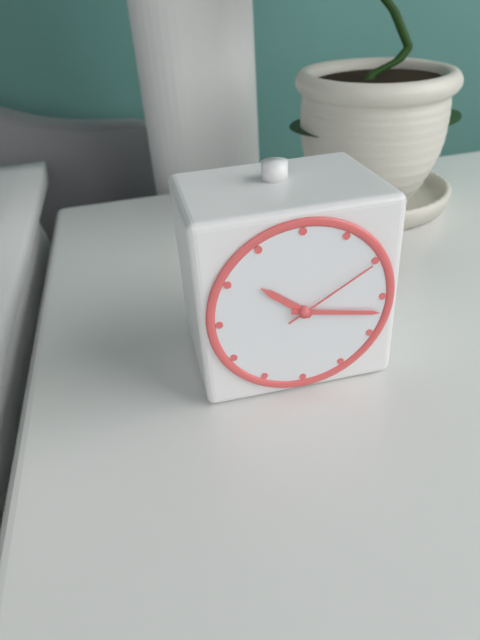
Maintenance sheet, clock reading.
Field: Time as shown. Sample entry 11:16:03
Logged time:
10:17:10
